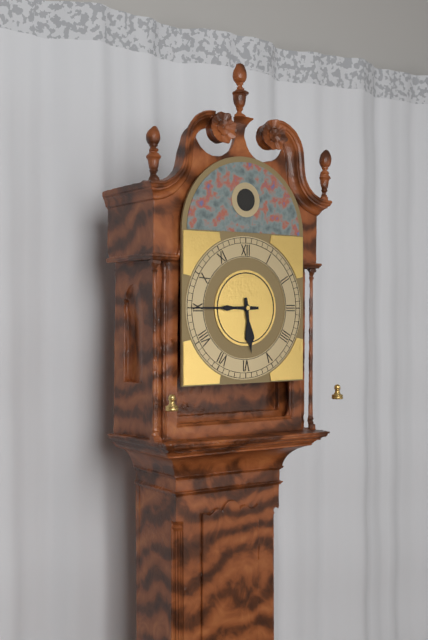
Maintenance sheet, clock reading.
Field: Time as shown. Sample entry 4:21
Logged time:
5:45
